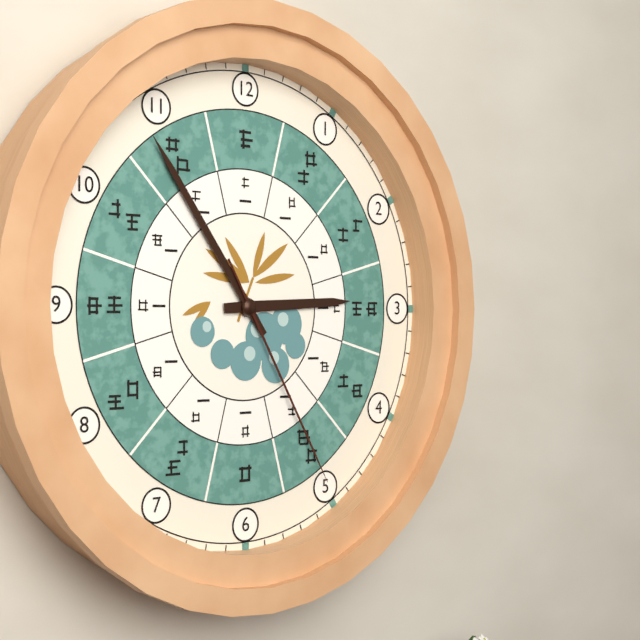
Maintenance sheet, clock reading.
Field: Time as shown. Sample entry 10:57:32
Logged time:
2:54:25
